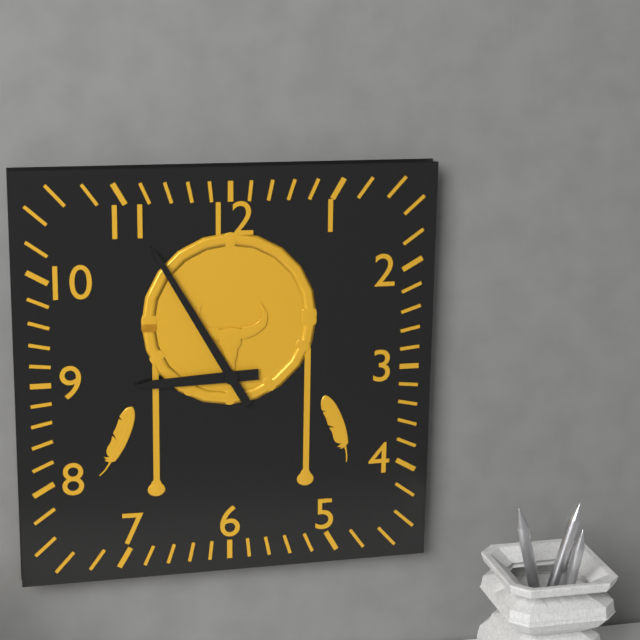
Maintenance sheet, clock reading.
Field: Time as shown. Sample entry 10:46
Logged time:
8:55
